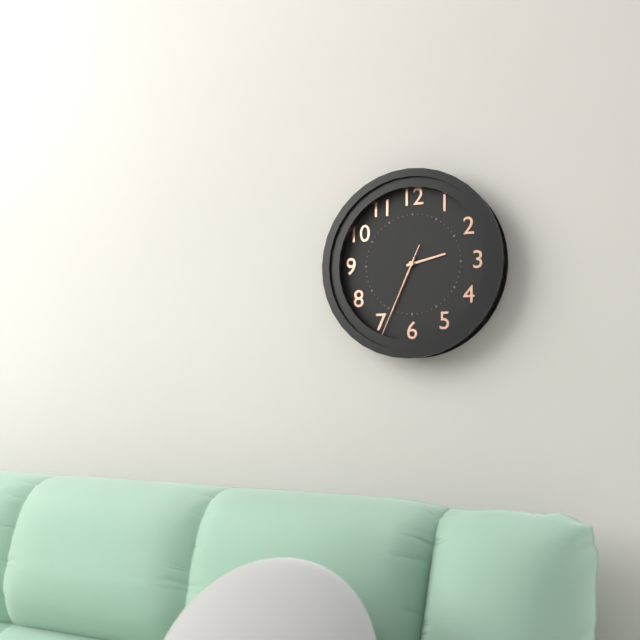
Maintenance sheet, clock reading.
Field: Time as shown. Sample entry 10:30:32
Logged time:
2:34:34
